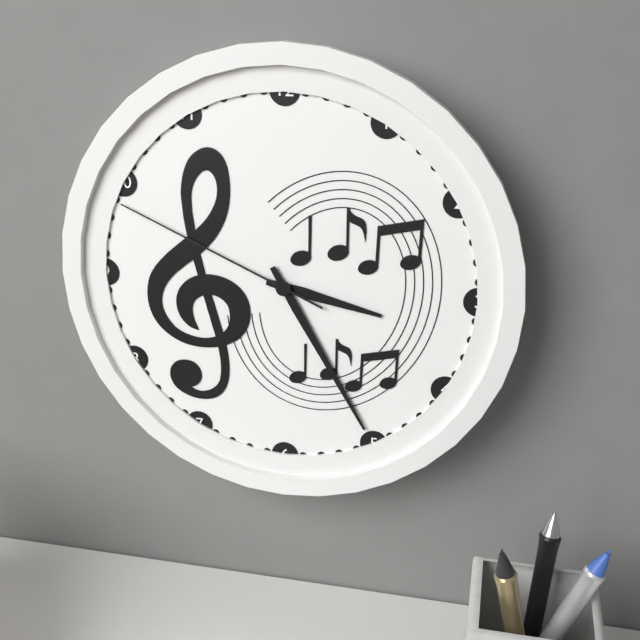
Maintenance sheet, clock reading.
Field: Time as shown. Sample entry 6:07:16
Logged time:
3:25:49
